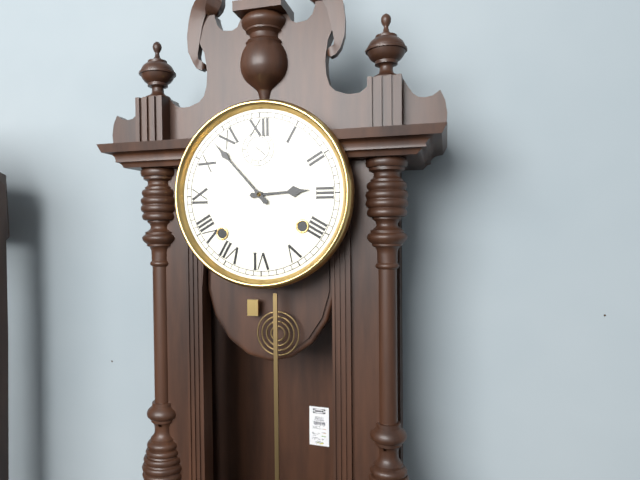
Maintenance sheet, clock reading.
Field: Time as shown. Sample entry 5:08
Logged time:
2:53
